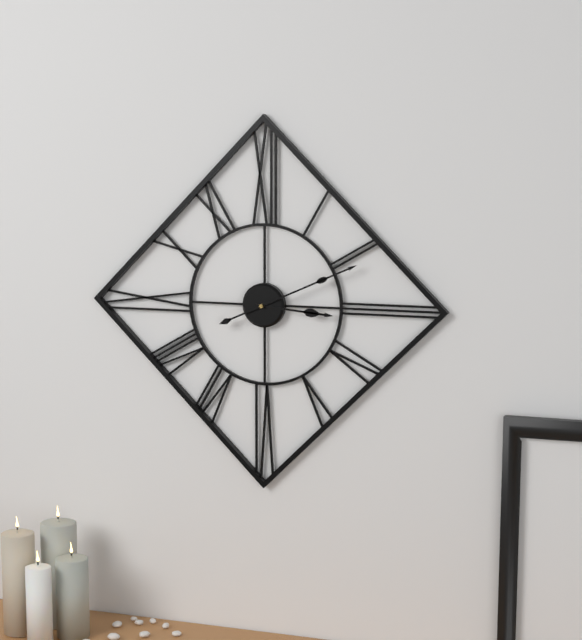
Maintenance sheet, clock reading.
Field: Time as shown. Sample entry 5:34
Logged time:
3:11
